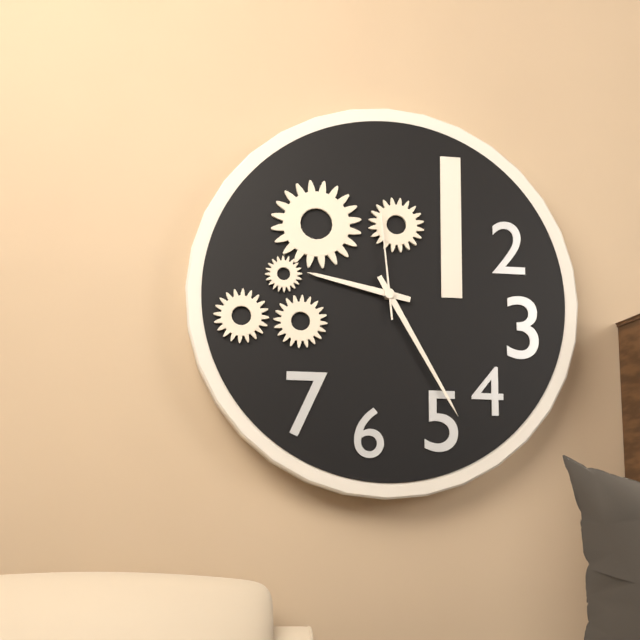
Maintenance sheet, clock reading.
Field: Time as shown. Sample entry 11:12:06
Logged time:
9:25:59
